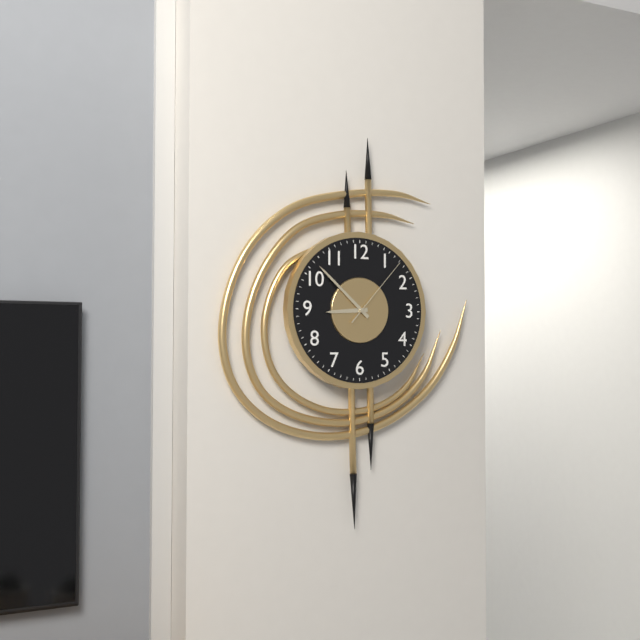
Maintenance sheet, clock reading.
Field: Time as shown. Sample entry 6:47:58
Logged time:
8:52:07
